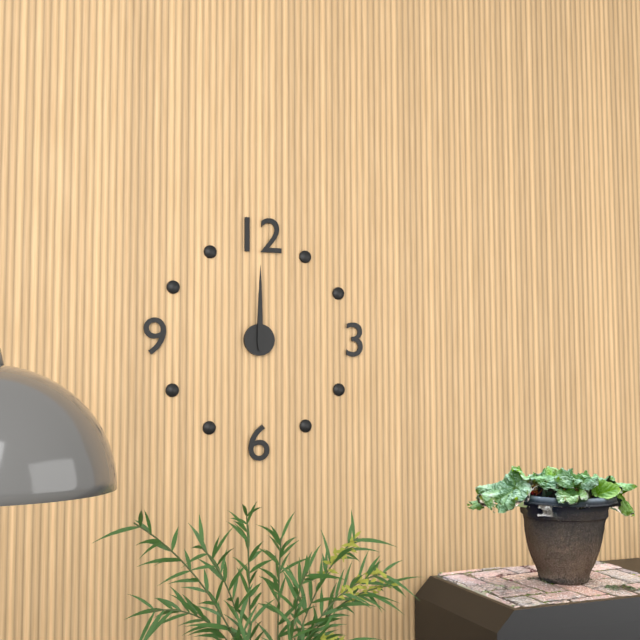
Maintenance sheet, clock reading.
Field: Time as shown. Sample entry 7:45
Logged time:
12:00
